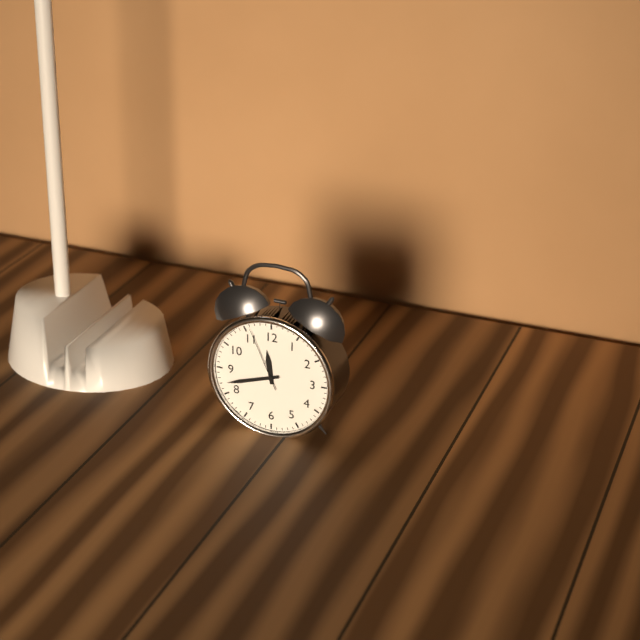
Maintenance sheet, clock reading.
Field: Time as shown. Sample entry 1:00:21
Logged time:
11:42:56
